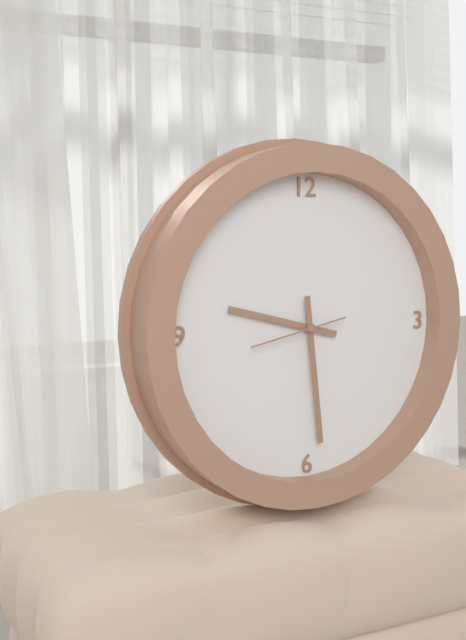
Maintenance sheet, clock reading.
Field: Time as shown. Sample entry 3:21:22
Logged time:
9:29:43
